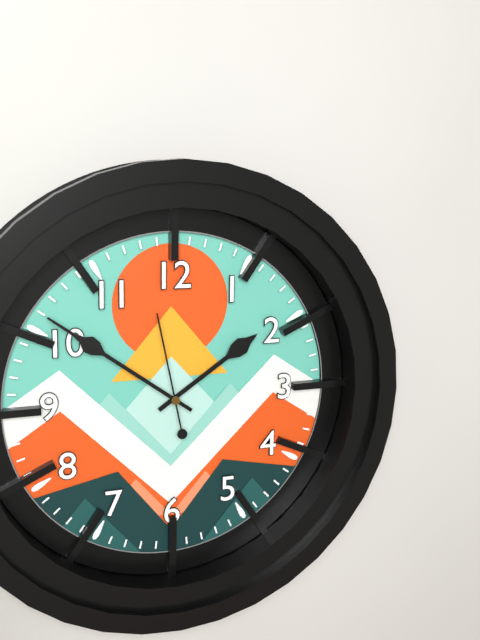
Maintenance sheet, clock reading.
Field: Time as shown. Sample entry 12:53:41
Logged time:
1:51:58
